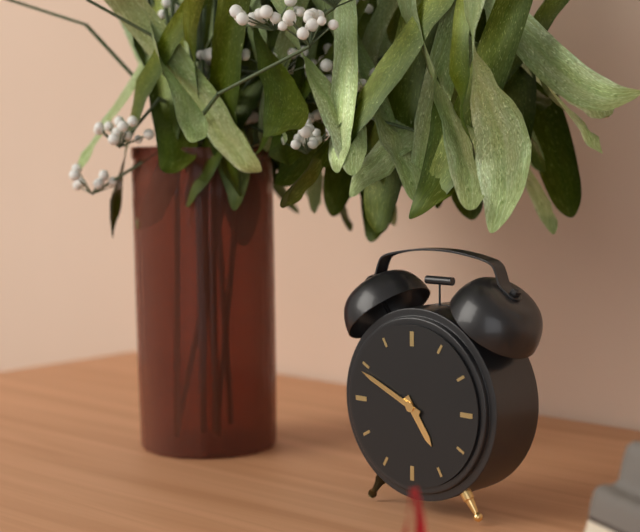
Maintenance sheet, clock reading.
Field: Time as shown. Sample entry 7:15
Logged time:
4:49
